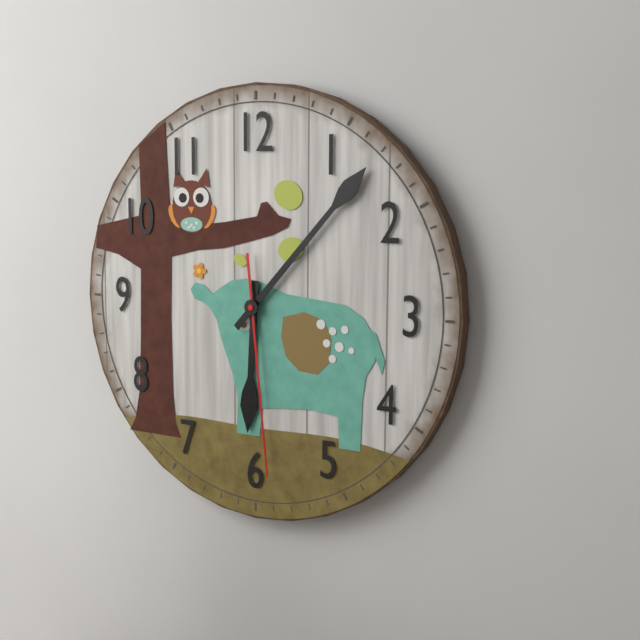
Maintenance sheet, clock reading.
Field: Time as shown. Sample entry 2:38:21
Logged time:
6:07:29
